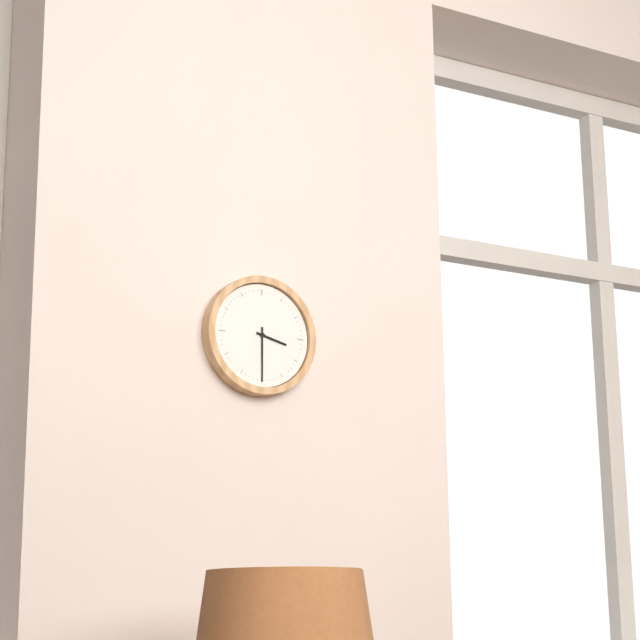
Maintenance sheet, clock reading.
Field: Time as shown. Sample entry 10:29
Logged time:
3:30
